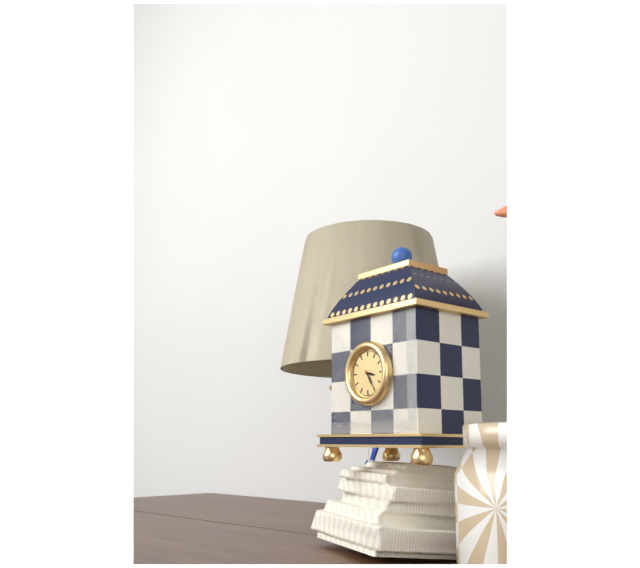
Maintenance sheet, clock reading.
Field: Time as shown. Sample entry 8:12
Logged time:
3:25
